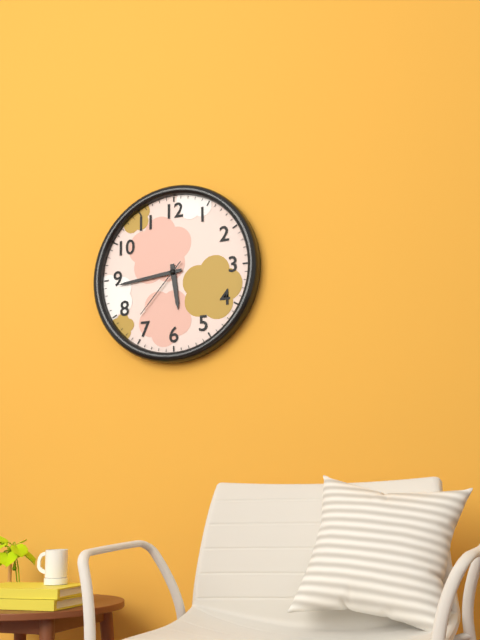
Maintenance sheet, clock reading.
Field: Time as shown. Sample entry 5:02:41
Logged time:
5:44:37
